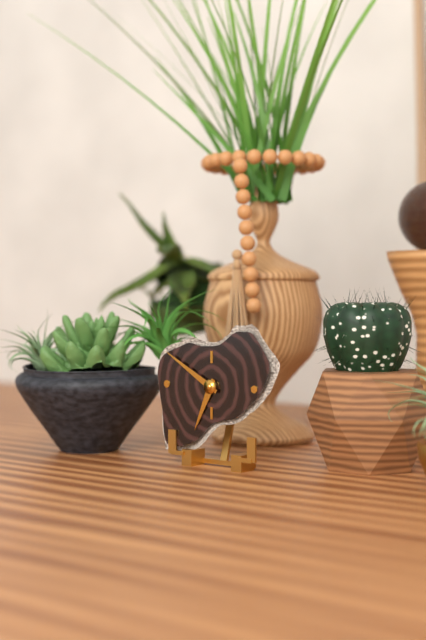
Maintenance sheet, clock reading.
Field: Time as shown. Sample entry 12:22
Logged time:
6:50
